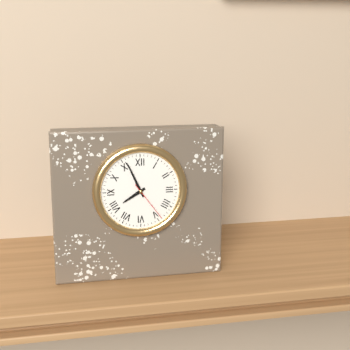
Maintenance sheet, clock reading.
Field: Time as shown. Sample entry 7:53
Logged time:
7:56
